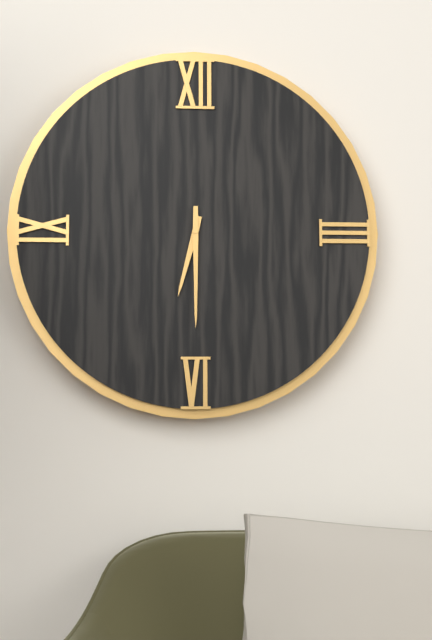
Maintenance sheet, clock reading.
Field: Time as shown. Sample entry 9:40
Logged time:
6:30
